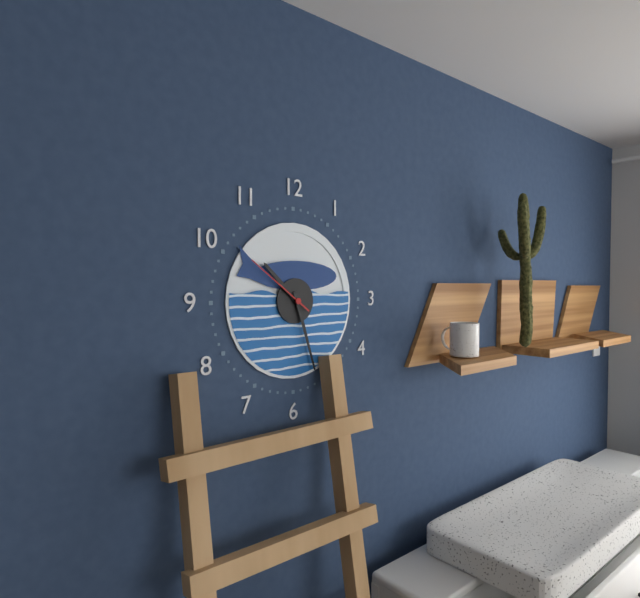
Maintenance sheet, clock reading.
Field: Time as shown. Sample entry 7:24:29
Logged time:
10:27:51
